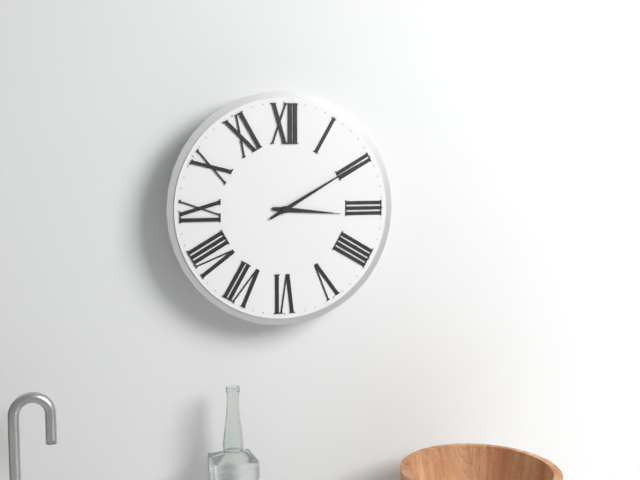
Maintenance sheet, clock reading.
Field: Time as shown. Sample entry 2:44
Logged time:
3:10
